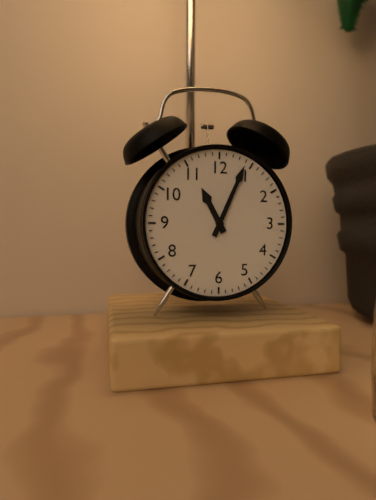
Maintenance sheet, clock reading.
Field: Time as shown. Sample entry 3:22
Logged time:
11:04
